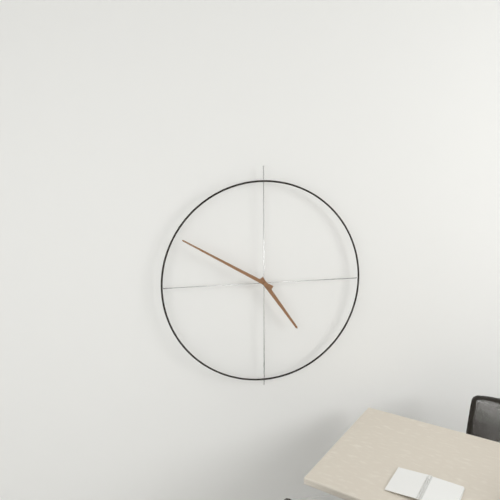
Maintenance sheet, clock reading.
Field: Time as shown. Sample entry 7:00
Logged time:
4:50
